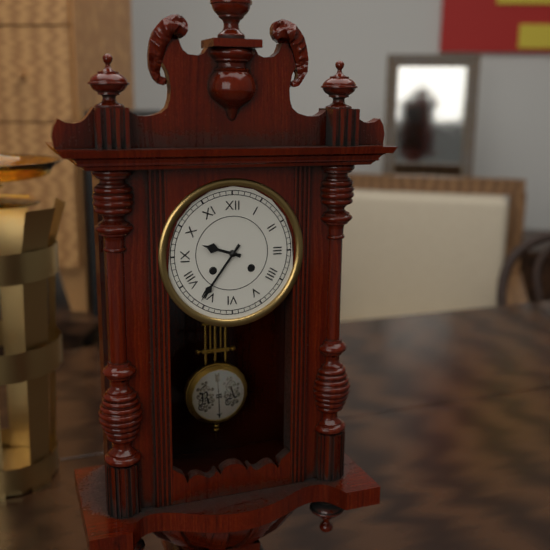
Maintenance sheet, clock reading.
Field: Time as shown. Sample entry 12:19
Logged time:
9:36
